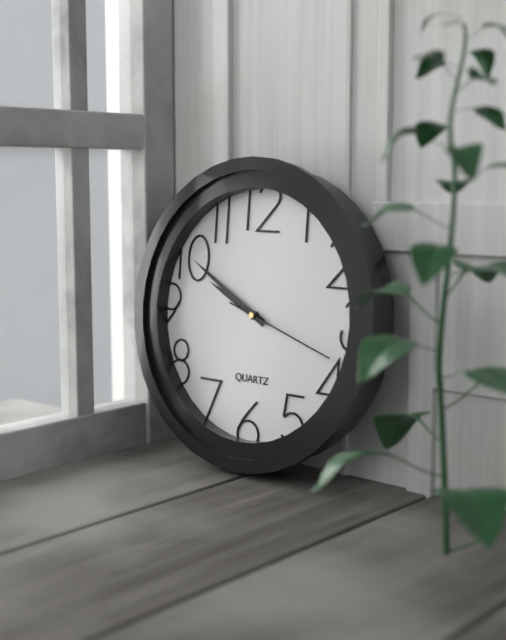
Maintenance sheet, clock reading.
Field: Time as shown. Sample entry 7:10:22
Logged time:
9:50:18
